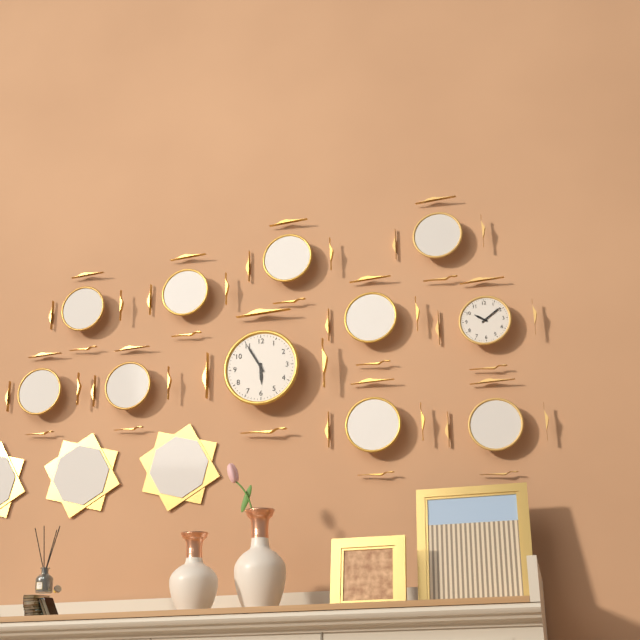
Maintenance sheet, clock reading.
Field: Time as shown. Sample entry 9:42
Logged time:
5:55
